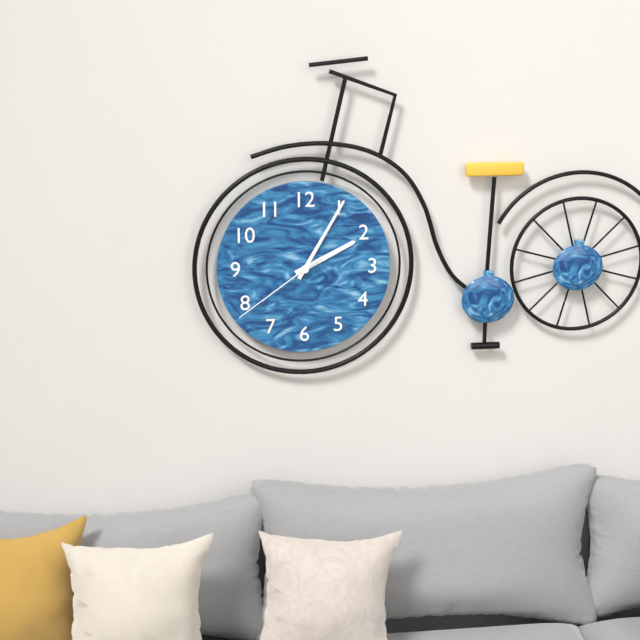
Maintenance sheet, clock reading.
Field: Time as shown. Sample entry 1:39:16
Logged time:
2:05:39
